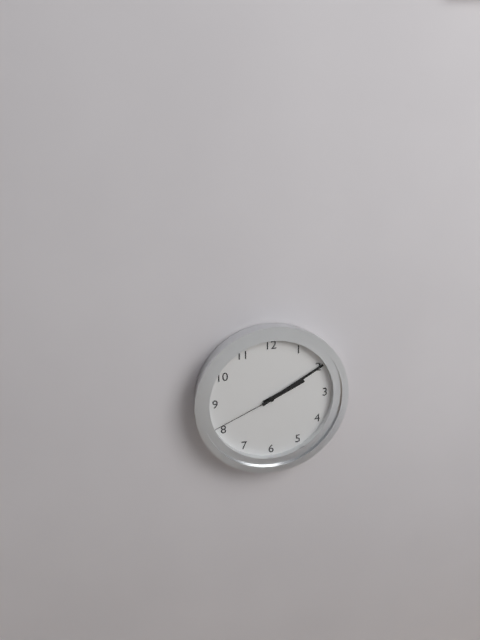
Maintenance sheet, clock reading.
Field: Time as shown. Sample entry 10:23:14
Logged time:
2:10:41
